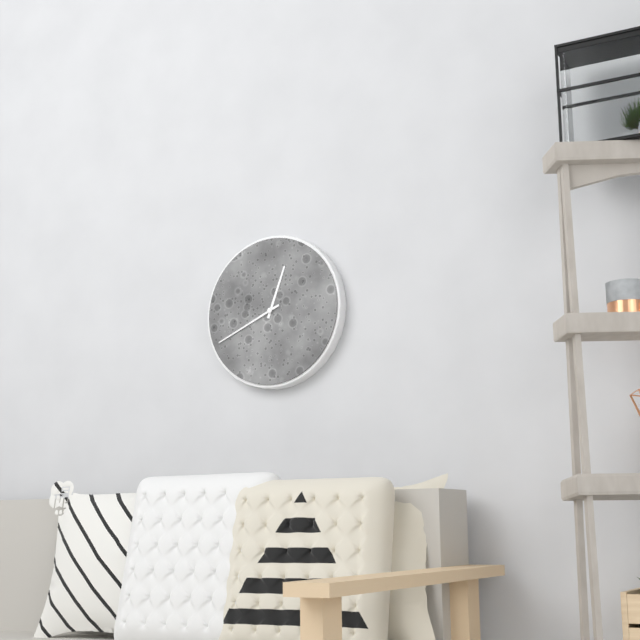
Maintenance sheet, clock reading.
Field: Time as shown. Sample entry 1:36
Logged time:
12:41
